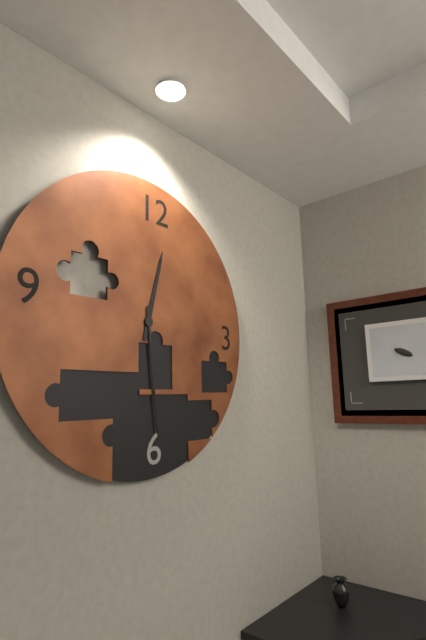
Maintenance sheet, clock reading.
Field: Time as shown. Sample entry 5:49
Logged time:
12:29
